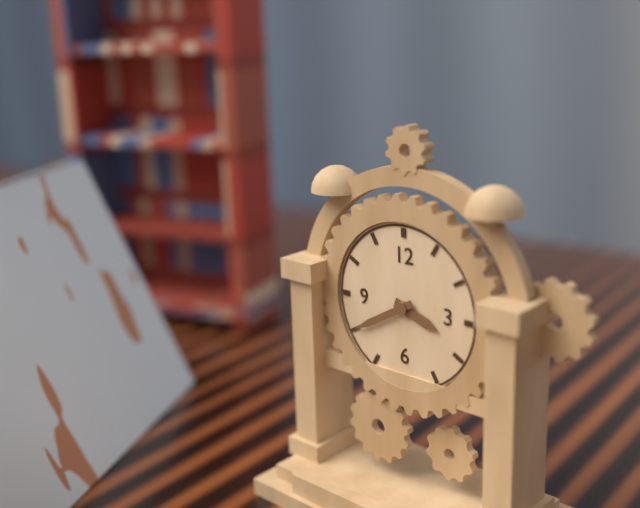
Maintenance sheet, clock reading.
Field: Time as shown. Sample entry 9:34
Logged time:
3:40
